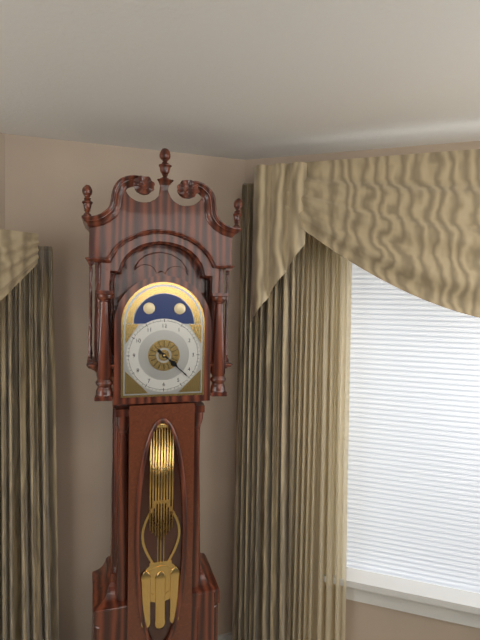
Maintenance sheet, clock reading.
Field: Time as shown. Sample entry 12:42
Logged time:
4:22
